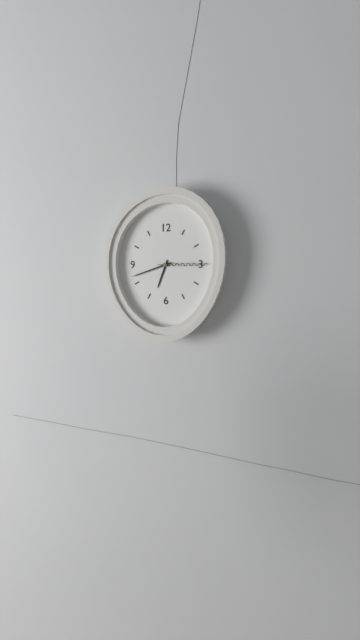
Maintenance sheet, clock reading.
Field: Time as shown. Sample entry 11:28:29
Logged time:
6:42:15
